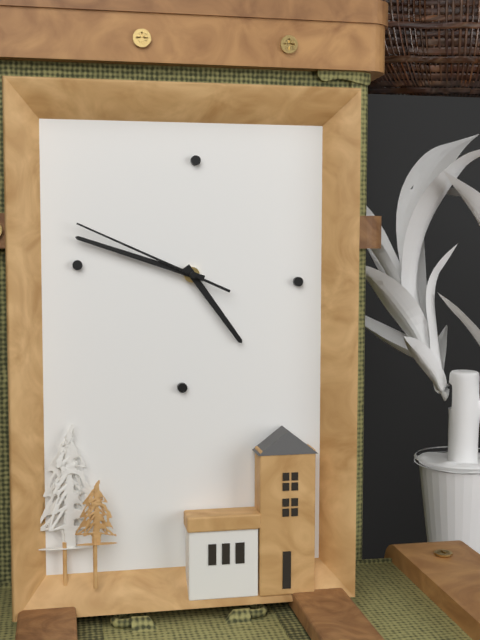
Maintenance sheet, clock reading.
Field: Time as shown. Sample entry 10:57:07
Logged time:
4:48:49
